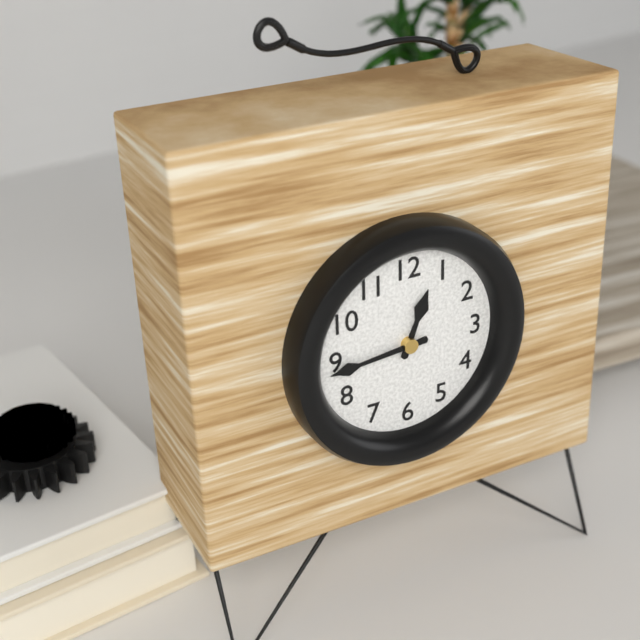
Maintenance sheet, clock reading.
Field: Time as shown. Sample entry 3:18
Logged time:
12:44
